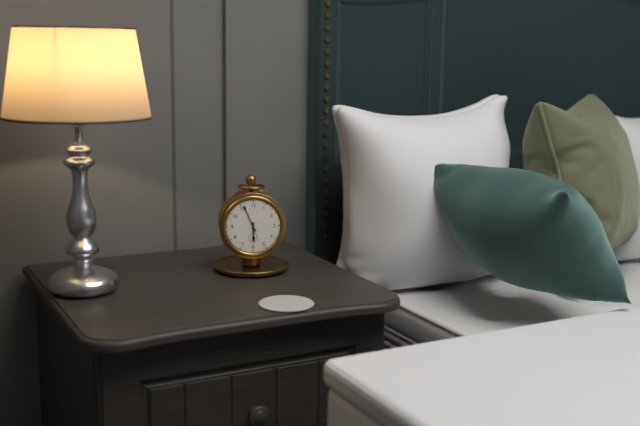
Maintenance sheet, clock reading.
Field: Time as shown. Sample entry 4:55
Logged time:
5:56
